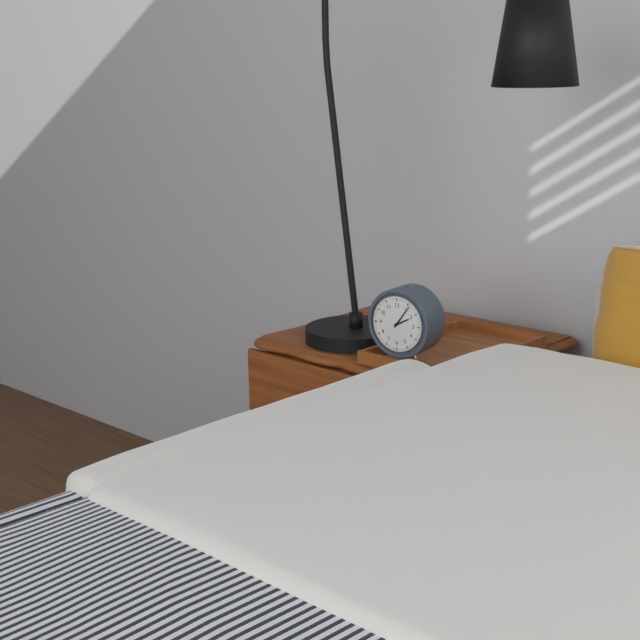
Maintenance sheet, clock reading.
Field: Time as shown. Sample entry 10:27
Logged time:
2:06
